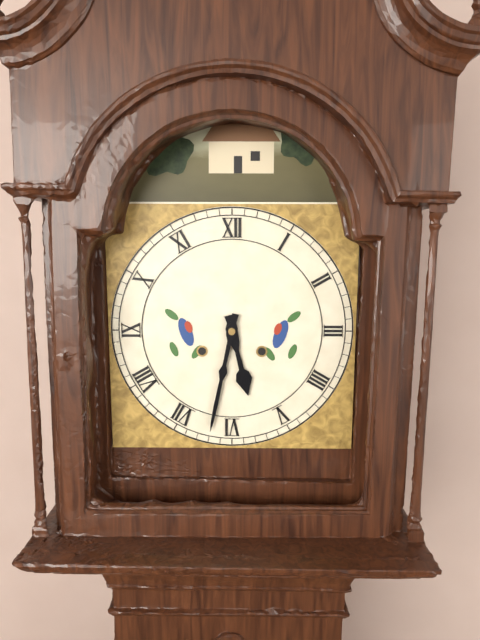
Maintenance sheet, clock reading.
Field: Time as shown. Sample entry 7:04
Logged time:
5:32
